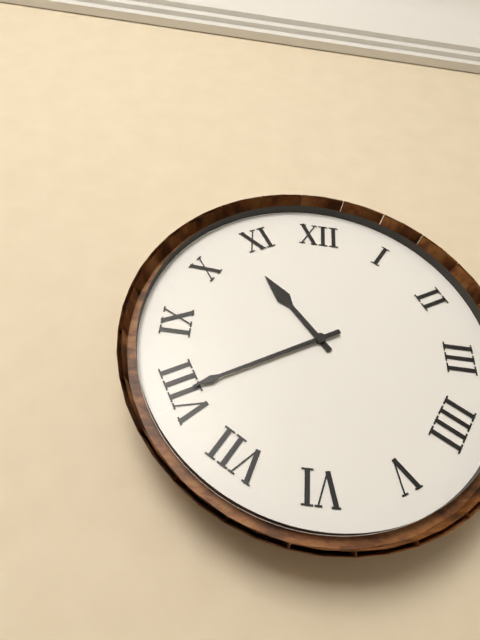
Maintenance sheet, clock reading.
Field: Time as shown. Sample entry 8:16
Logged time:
10:40
